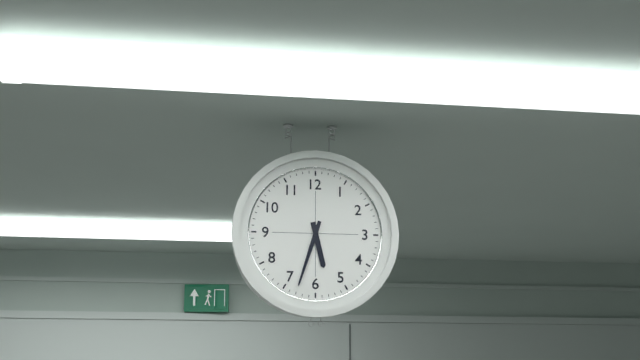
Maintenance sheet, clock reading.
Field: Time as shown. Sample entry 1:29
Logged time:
5:33
